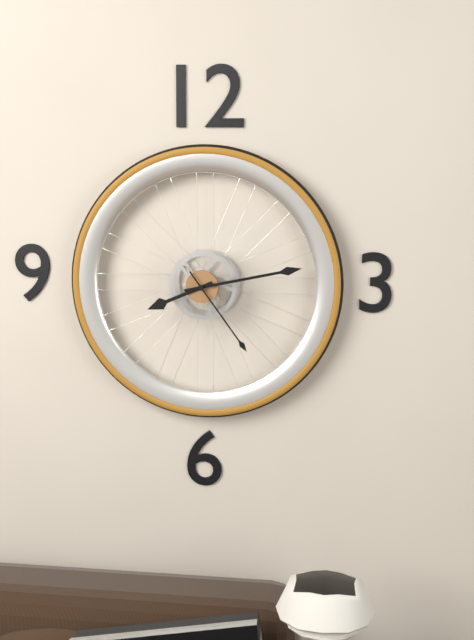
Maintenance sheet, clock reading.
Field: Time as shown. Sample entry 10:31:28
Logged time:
8:13:24
